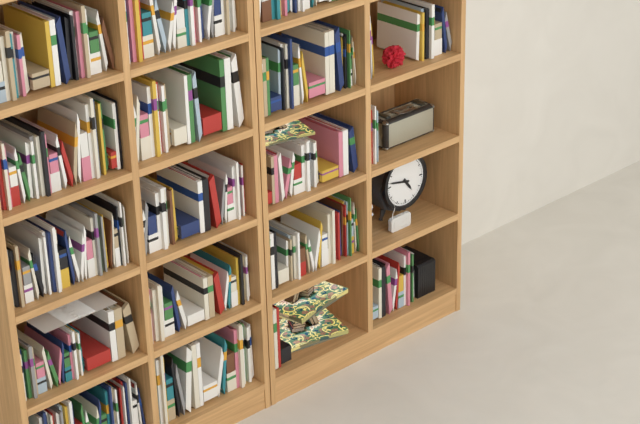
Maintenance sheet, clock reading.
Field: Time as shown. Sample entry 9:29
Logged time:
4:47
